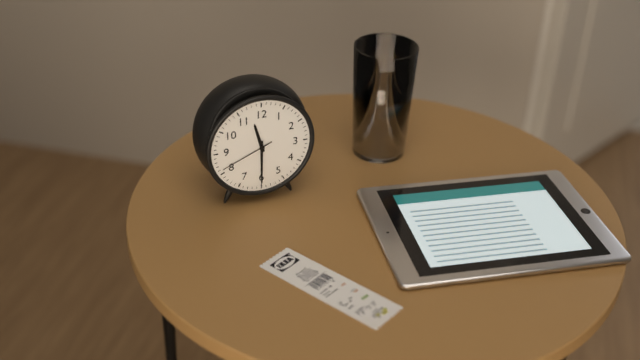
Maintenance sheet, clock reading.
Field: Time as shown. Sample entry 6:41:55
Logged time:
11:30:41
